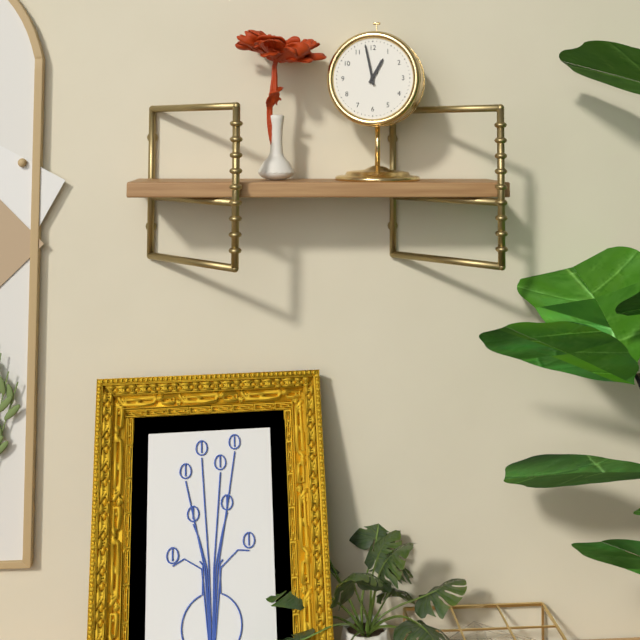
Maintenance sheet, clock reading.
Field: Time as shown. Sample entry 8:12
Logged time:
12:58
